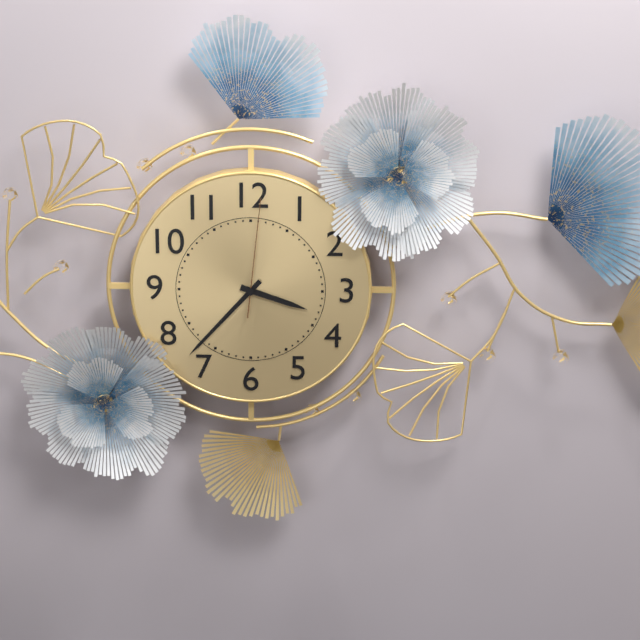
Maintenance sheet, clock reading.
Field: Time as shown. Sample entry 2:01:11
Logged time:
3:37:01
